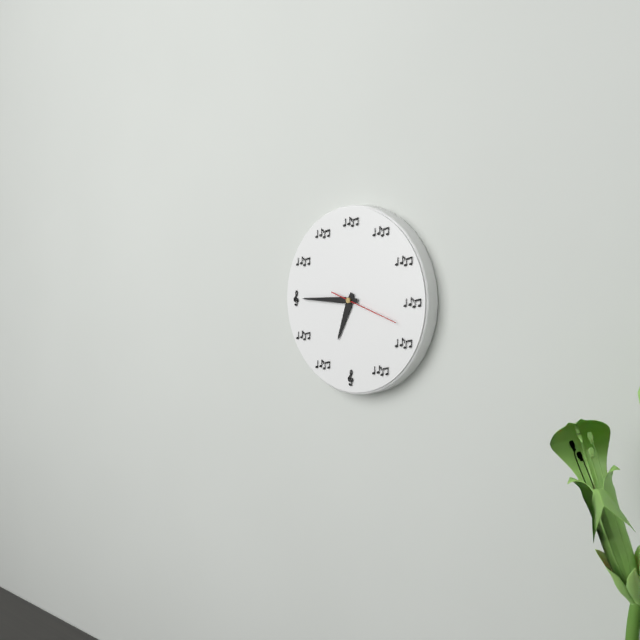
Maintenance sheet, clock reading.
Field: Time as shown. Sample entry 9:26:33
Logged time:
6:45:18
